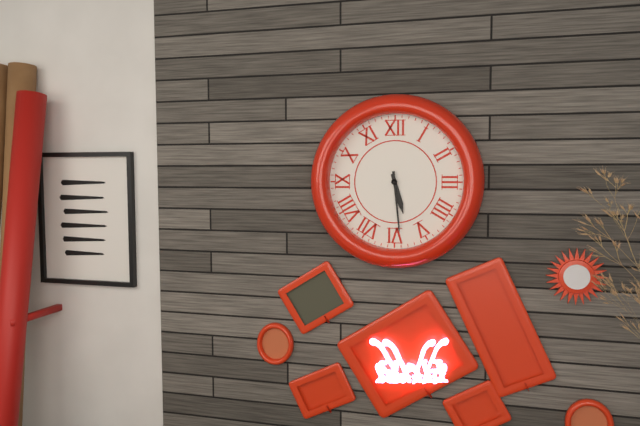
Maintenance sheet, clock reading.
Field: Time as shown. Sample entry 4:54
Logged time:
5:29
